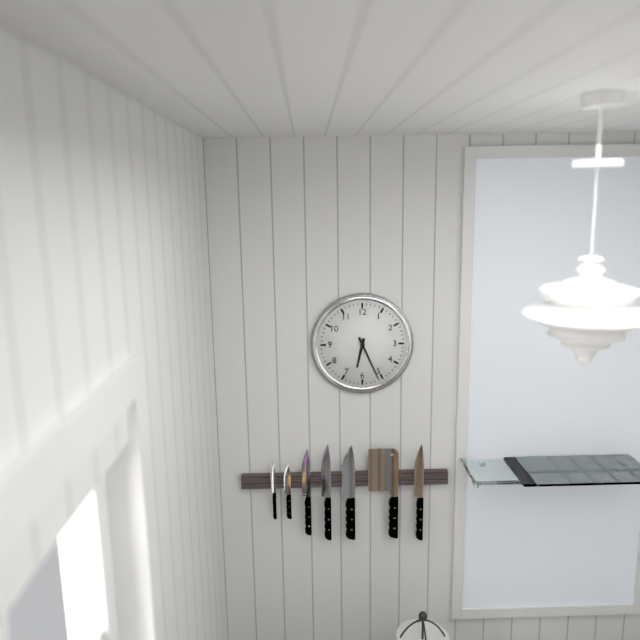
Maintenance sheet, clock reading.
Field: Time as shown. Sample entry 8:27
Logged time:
6:26
